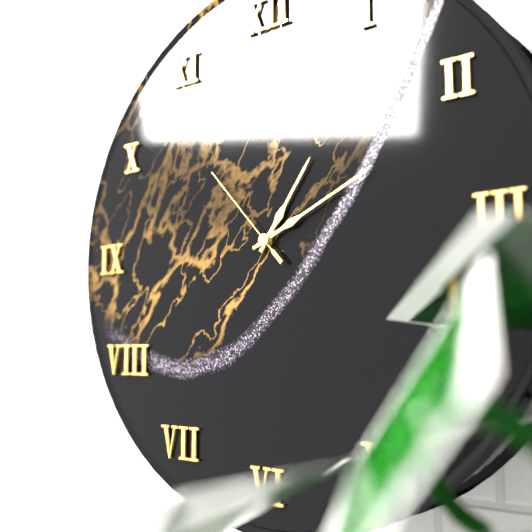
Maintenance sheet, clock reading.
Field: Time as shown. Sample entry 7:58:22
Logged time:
1:11:53
